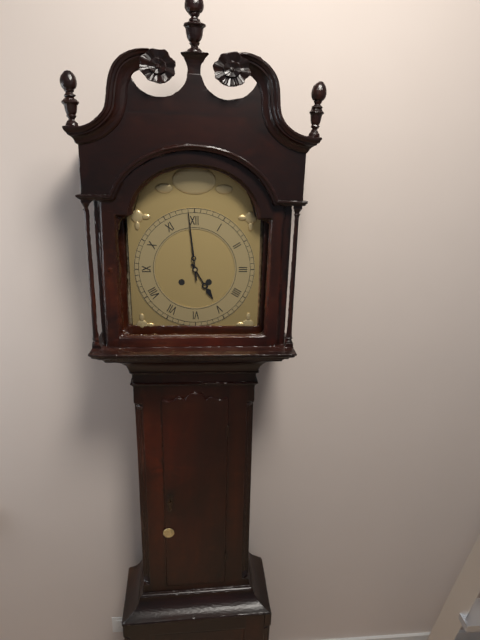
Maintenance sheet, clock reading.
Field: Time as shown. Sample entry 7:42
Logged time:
4:59
